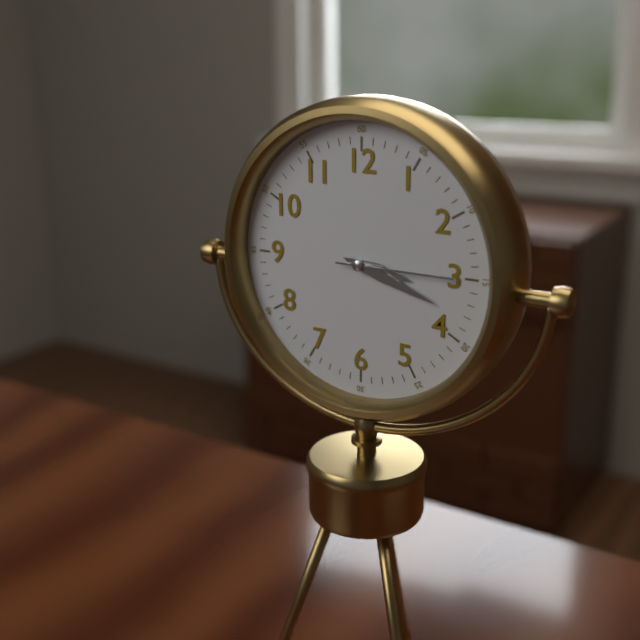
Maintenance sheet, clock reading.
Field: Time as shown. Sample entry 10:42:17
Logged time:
3:18:15
